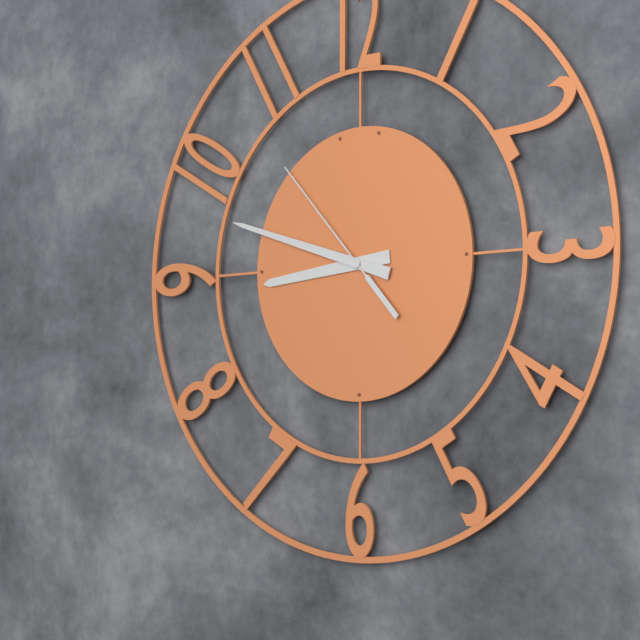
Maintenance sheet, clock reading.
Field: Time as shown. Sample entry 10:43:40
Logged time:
8:48:53
